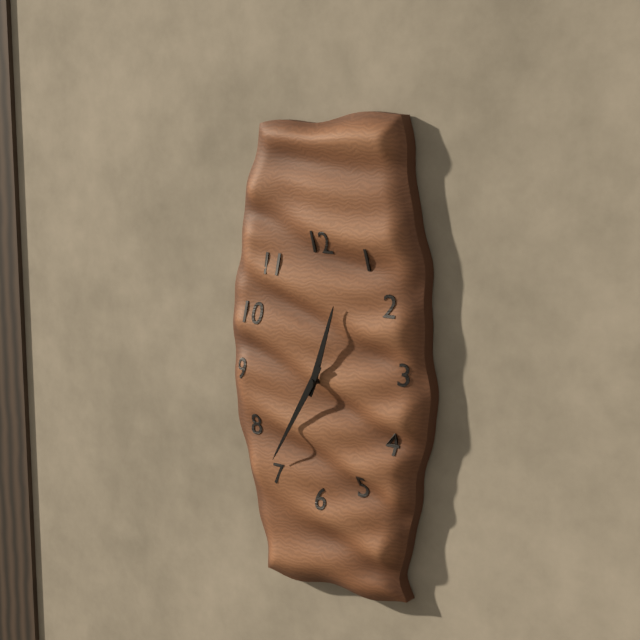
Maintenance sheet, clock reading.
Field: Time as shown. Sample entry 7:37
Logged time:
12:35
